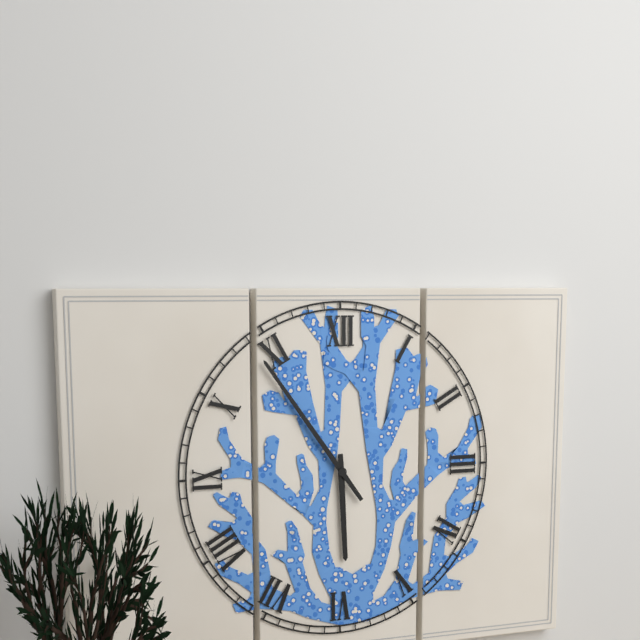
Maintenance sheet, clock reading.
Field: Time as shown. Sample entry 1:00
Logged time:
5:54
